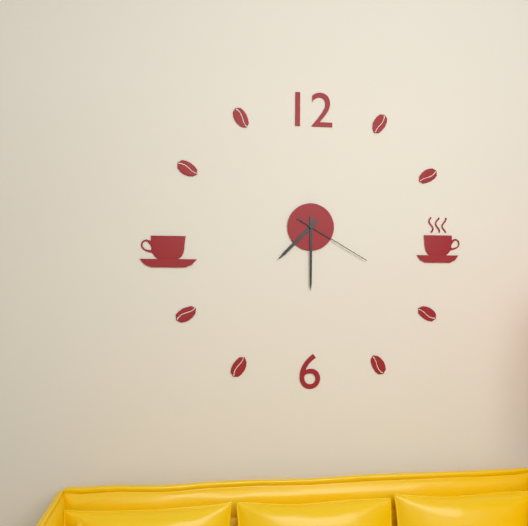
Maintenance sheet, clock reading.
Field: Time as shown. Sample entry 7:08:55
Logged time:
7:30:20
